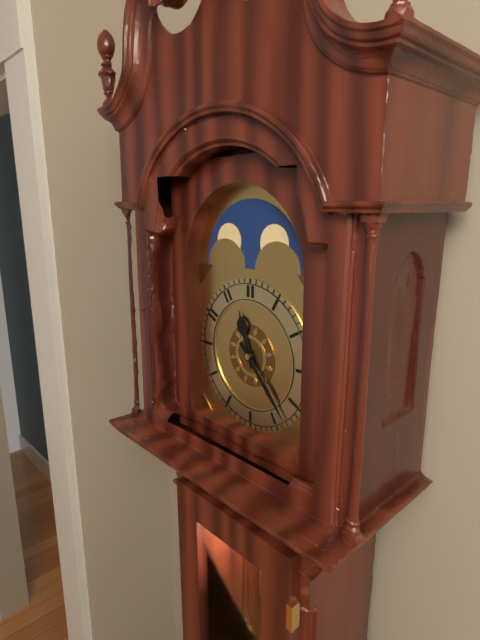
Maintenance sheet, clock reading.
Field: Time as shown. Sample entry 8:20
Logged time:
11:23
